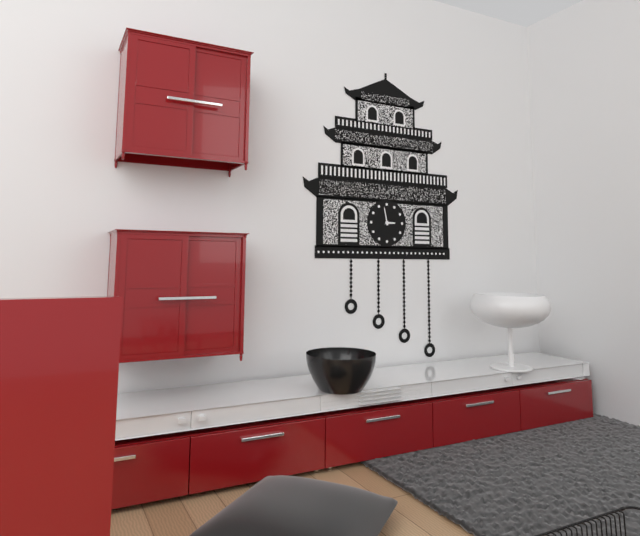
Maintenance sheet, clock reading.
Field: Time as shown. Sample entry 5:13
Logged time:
2:58
